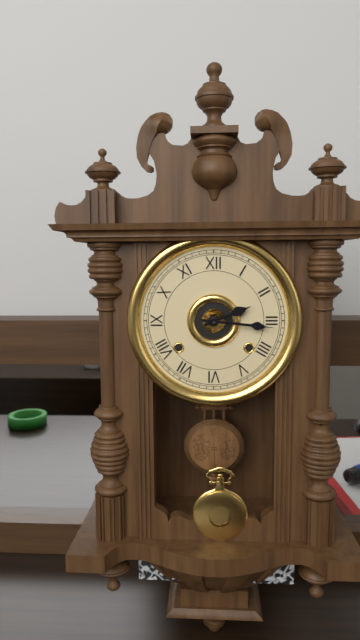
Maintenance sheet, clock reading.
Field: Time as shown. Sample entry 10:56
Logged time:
2:16
